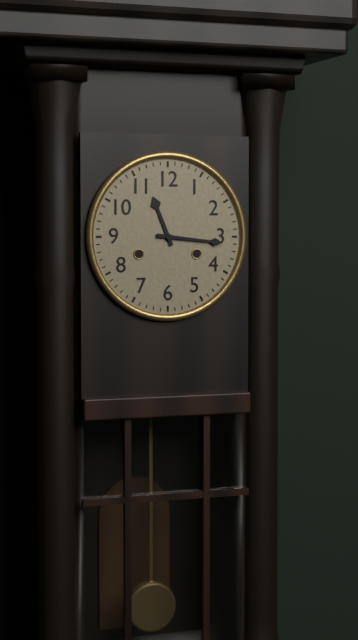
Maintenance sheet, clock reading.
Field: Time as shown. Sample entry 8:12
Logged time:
11:16
